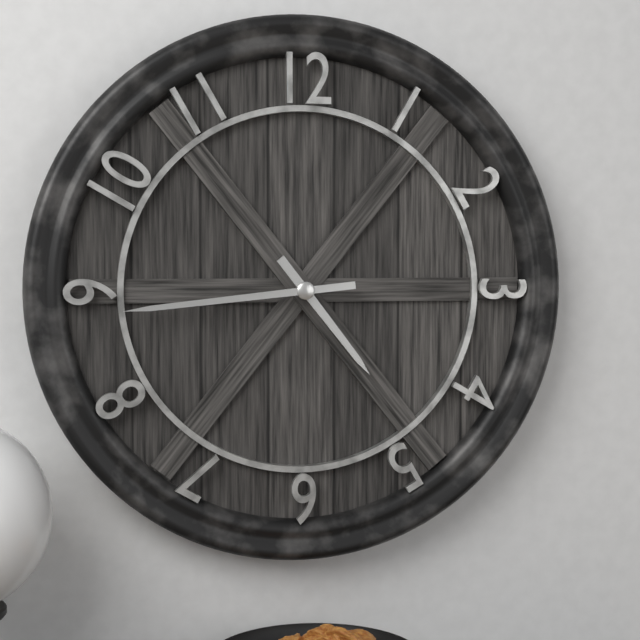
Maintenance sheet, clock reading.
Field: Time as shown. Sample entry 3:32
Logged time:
4:44
